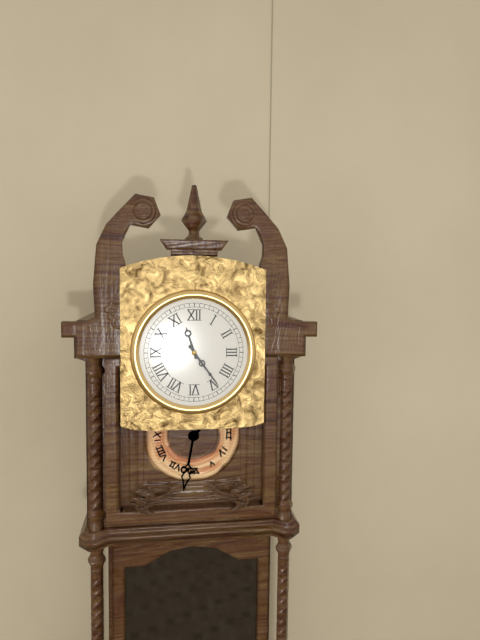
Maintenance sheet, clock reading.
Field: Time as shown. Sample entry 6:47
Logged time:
11:24
